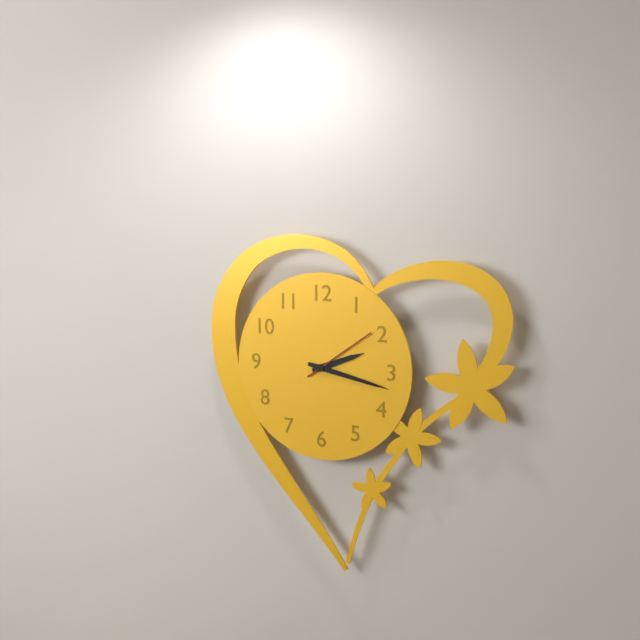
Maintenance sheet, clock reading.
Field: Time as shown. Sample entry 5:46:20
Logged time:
2:17:09
